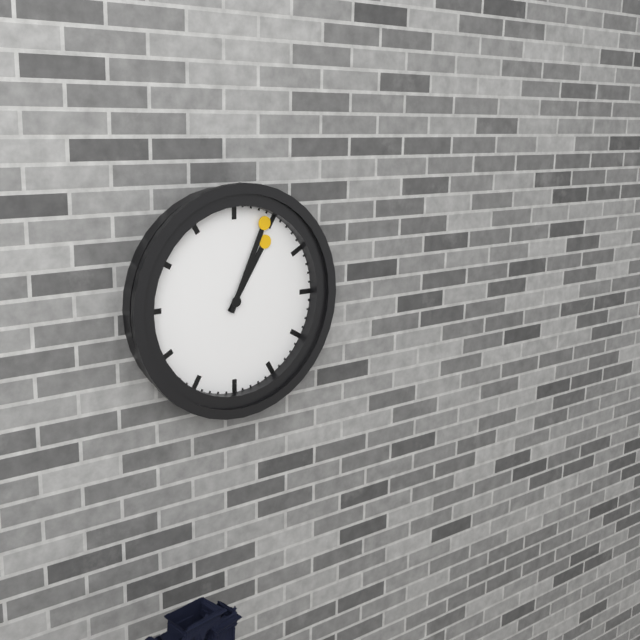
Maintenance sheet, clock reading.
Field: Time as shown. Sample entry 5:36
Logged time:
1:04
